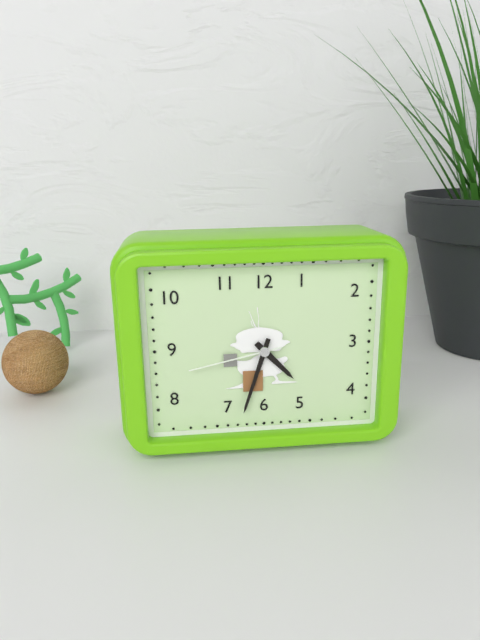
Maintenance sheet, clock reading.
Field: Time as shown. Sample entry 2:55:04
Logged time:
4:33:43
